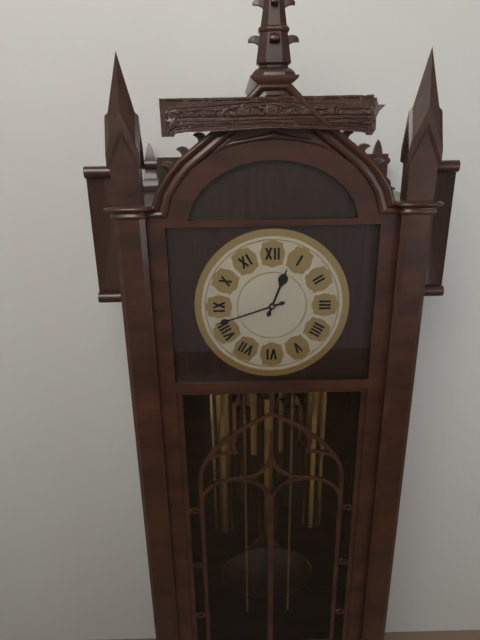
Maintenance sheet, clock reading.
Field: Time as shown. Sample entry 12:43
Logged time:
12:42
